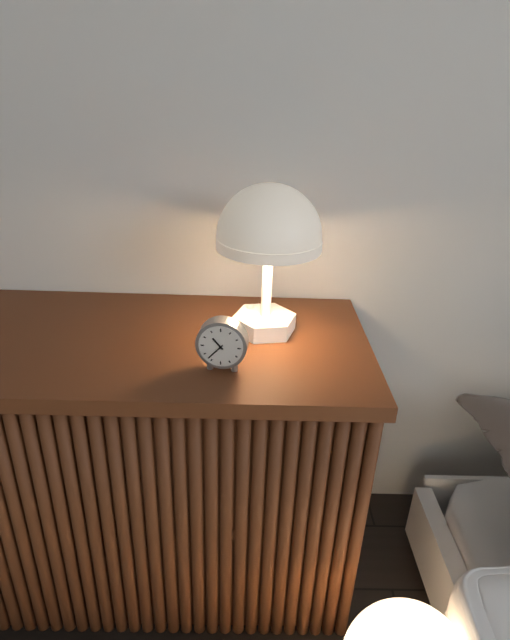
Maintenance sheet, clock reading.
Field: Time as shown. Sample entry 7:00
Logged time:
10:37
